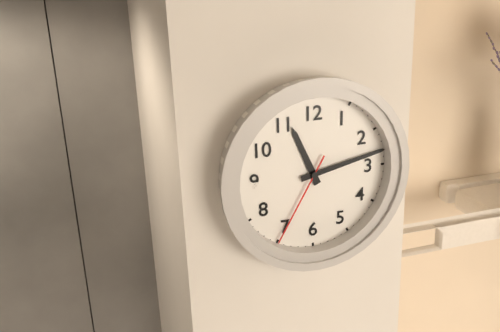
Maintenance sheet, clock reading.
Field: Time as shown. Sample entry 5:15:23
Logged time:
11:13:35
